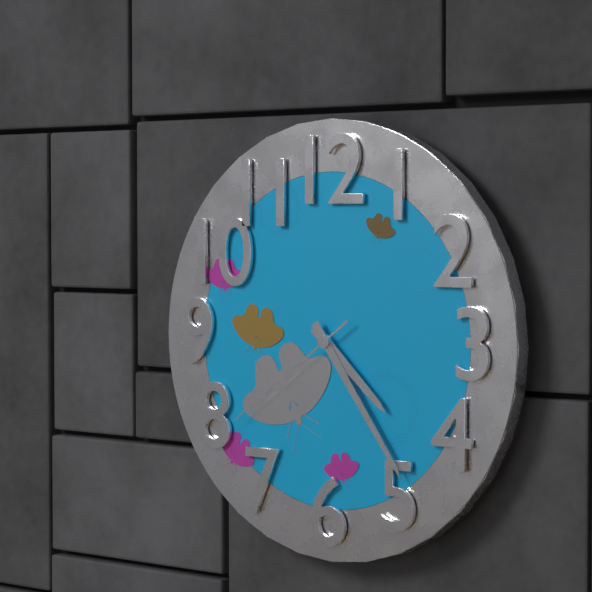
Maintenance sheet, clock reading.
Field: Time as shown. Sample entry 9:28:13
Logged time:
4:24:39
